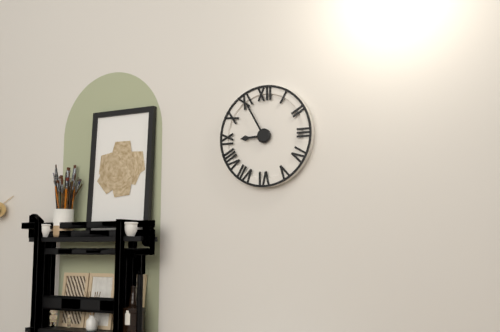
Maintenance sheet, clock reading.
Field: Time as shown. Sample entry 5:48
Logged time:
8:55
